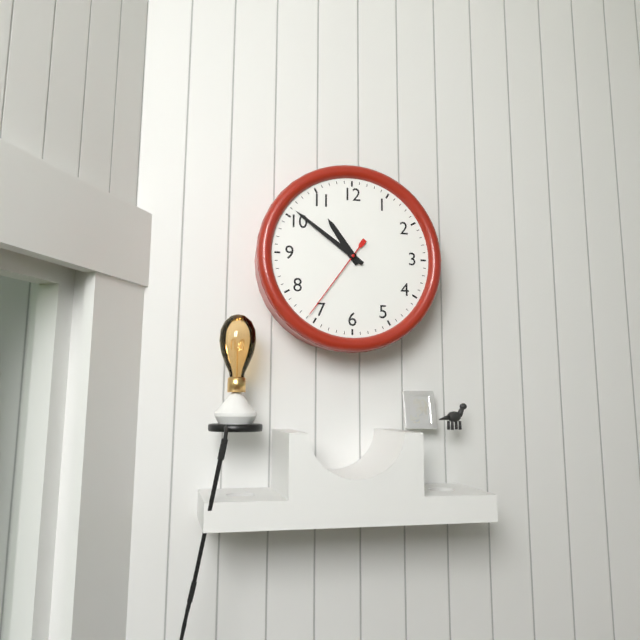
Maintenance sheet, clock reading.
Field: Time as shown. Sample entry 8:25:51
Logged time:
10:51:36
